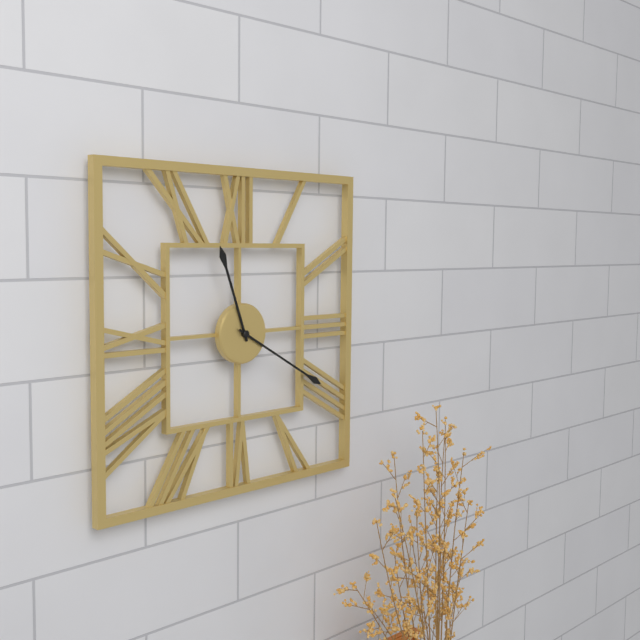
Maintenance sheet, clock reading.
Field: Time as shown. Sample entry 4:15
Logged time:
11:20
